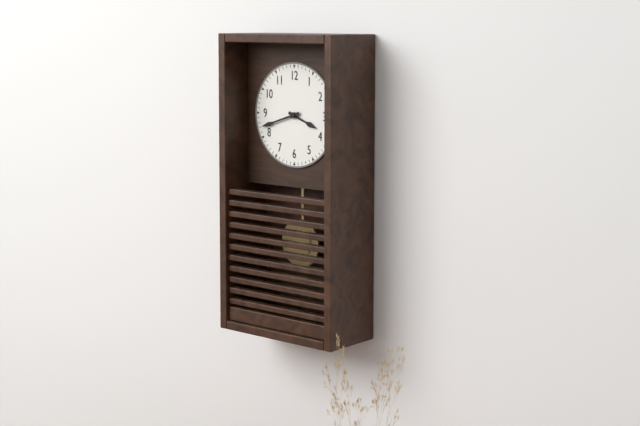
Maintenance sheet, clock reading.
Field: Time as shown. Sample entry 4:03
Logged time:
3:42
